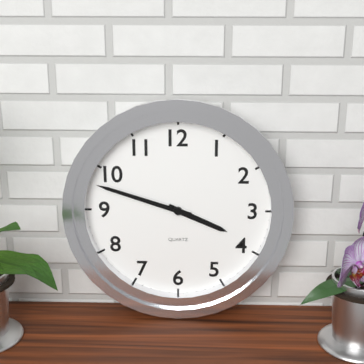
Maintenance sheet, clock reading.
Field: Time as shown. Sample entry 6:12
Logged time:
3:48
